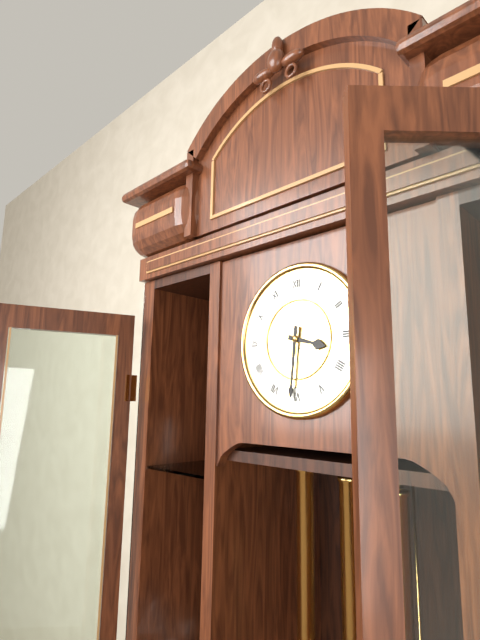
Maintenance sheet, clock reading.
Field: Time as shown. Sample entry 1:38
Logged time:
3:31
